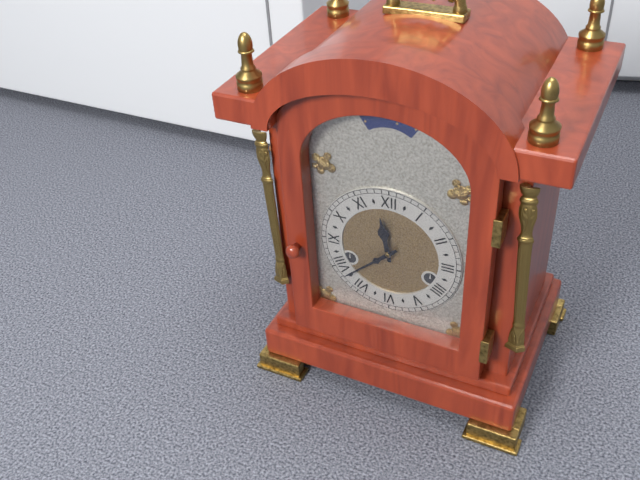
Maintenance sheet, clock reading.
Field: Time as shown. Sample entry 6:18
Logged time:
11:38
